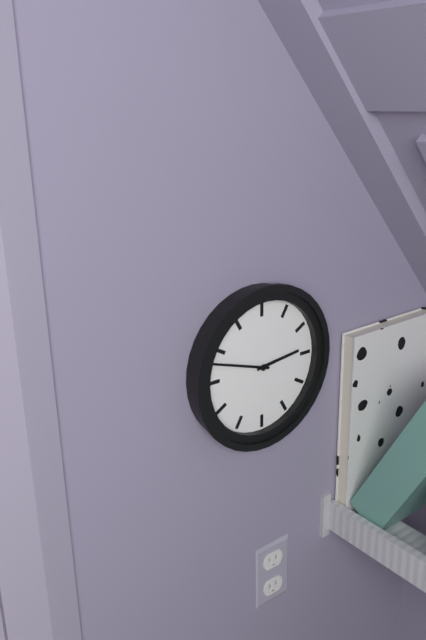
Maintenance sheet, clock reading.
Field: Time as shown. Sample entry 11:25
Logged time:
2:48
